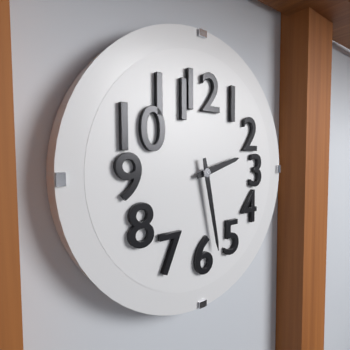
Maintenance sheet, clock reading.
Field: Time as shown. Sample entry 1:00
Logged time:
2:28
